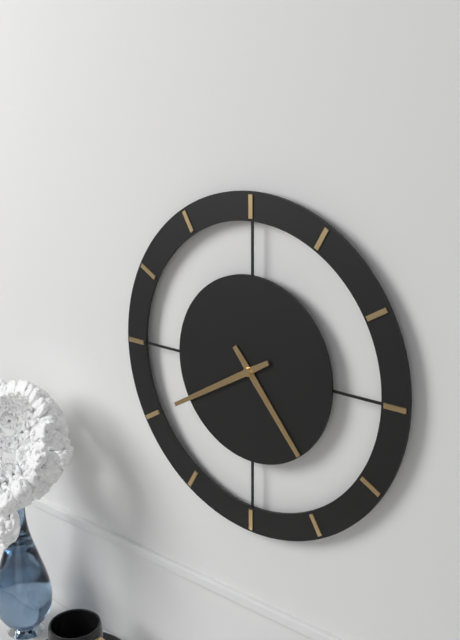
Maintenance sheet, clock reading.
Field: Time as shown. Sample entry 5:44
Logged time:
4:40
